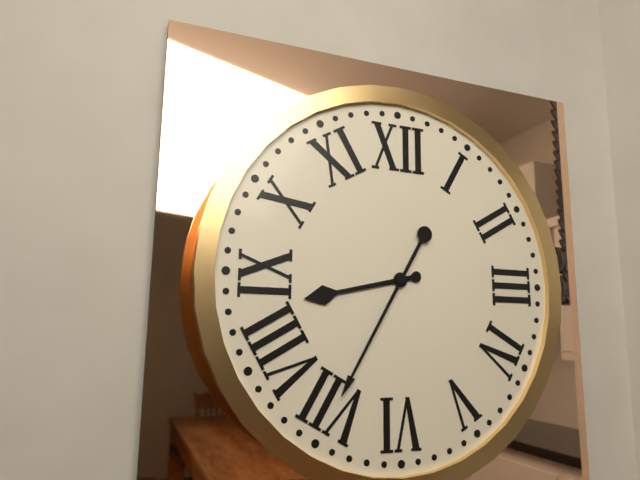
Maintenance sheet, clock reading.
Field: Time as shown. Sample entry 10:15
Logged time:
8:35
